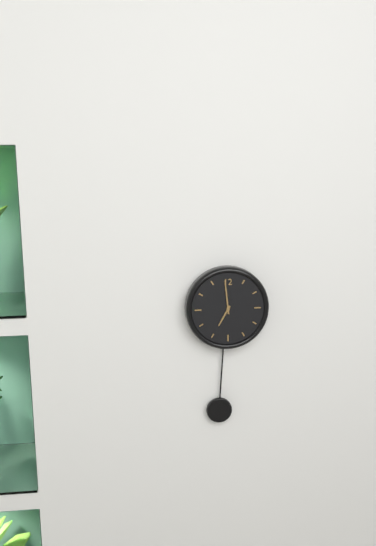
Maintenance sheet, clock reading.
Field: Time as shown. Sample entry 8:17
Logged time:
6:59
